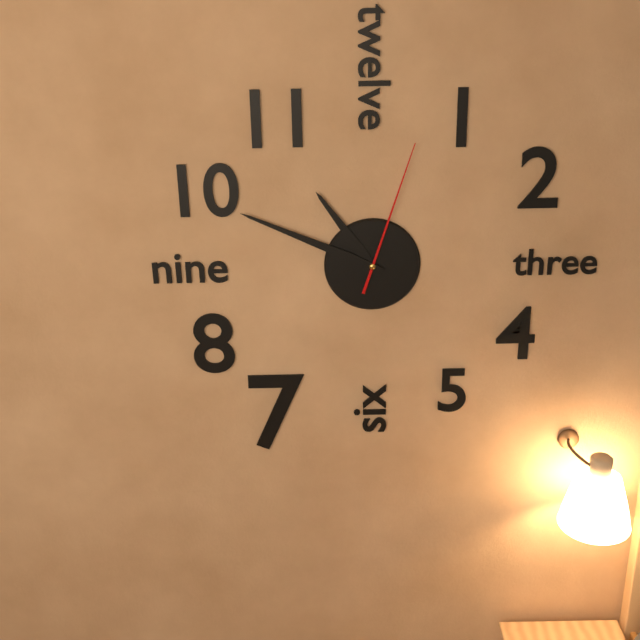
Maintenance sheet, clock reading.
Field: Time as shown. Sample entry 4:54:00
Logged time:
10:49:03
